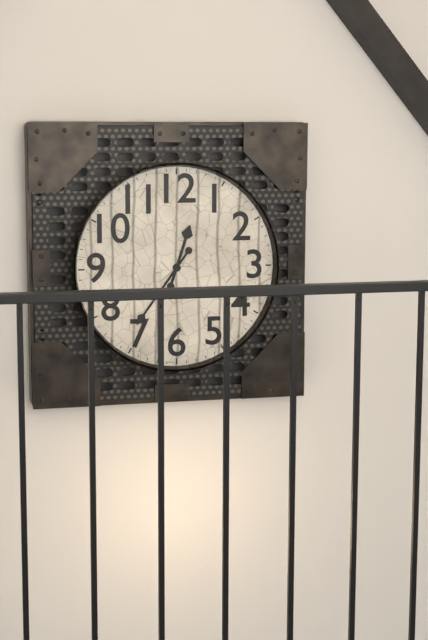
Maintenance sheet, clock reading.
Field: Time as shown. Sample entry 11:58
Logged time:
12:36
